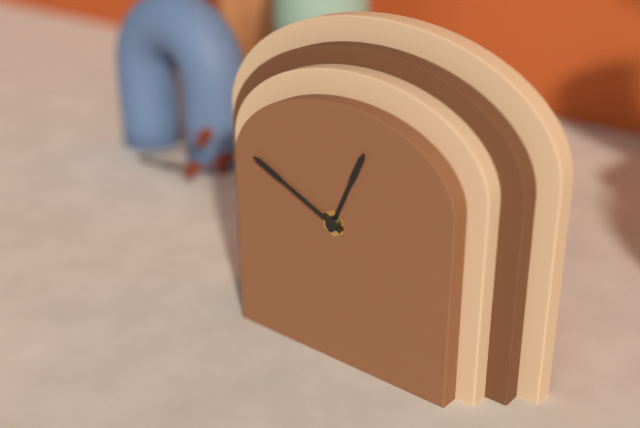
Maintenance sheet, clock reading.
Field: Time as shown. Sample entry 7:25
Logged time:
12:49
